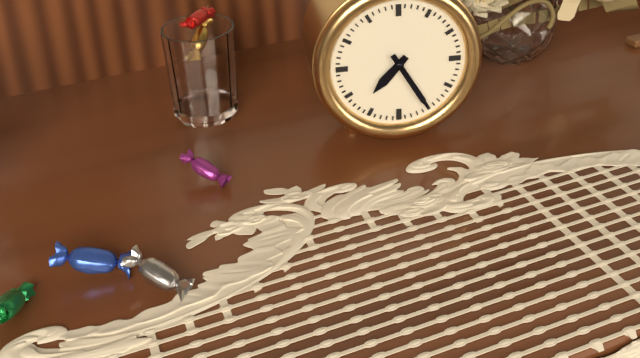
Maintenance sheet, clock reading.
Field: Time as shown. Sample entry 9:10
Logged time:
7:25
